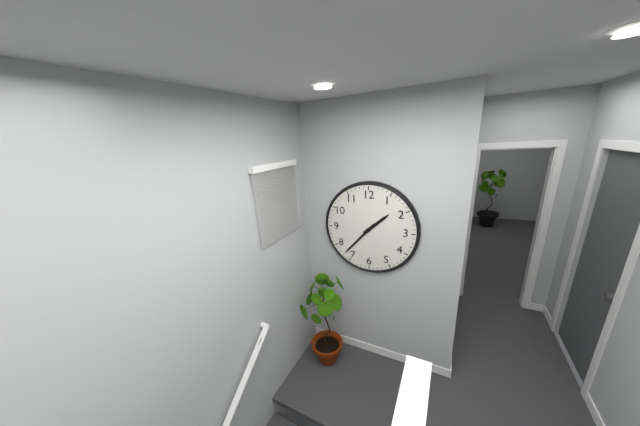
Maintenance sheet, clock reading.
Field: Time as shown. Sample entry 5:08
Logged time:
1:37
